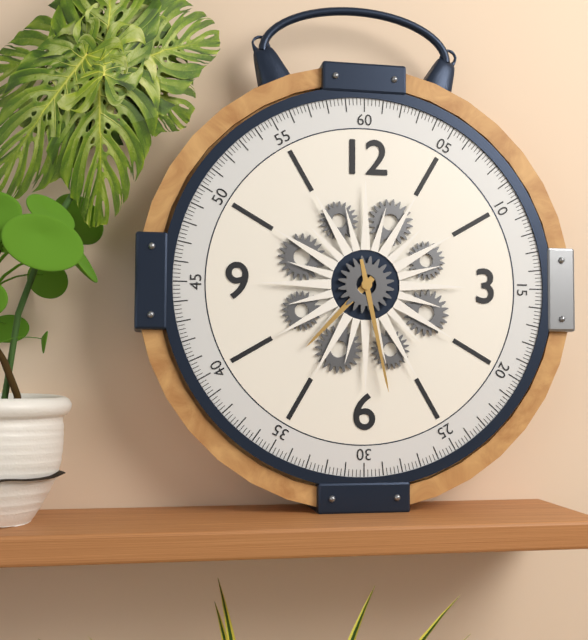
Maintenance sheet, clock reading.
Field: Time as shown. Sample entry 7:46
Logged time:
7:28
